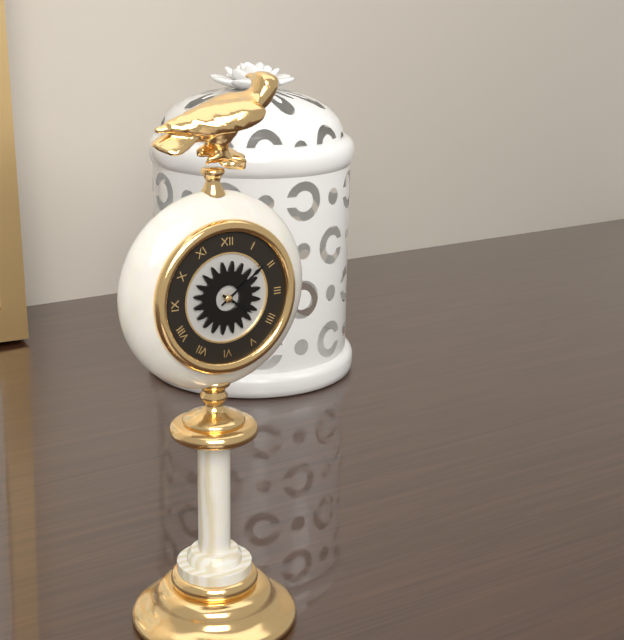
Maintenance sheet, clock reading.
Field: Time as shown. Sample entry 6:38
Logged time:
4:09
